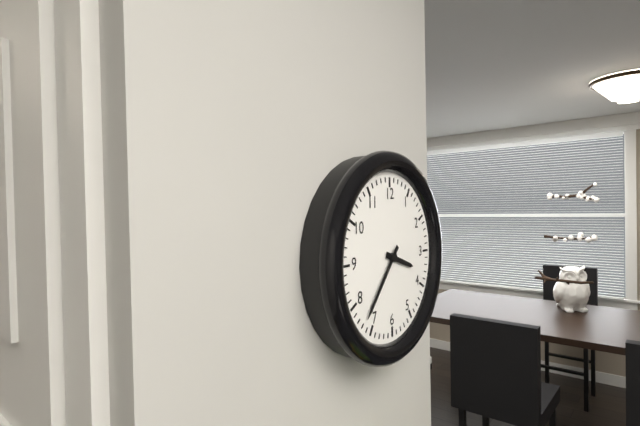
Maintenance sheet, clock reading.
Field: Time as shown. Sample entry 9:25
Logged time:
3:37
